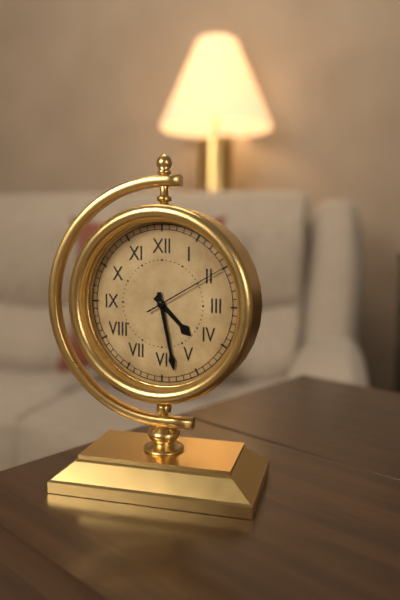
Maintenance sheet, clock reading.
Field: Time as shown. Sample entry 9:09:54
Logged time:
4:28:10
